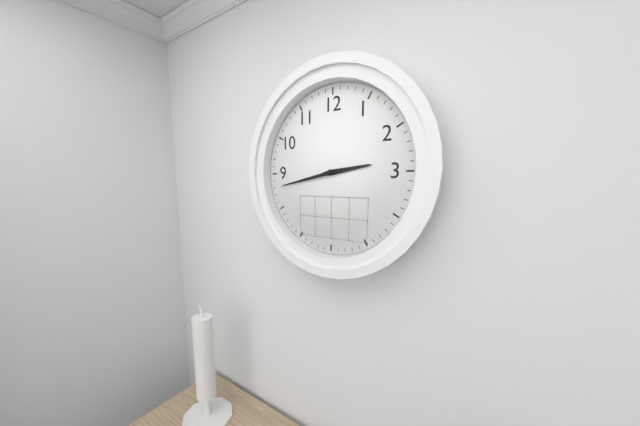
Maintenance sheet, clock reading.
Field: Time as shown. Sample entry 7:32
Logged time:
2:43
